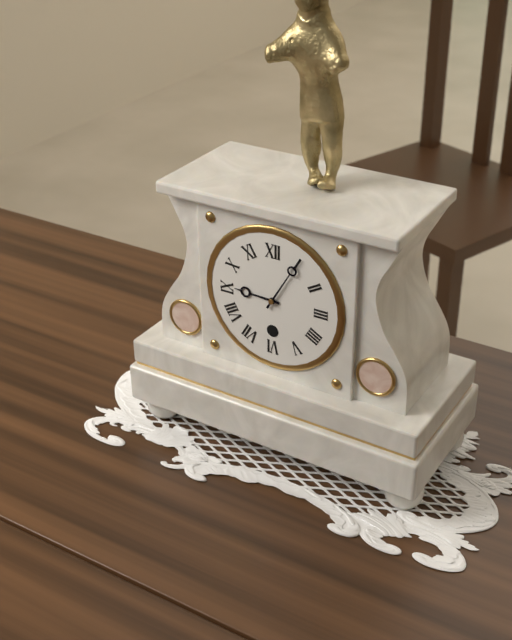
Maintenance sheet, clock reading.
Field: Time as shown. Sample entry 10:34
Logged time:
9:05
